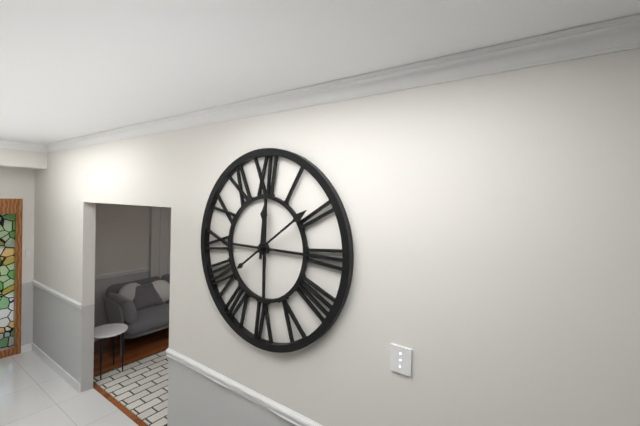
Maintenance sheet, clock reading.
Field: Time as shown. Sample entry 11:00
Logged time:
12:09
